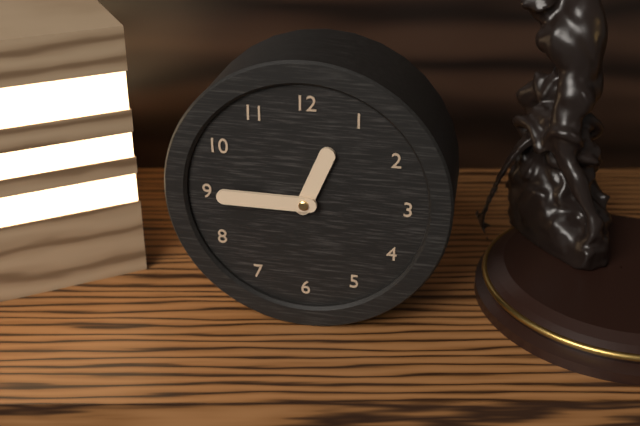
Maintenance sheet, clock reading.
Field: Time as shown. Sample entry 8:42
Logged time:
12:45
